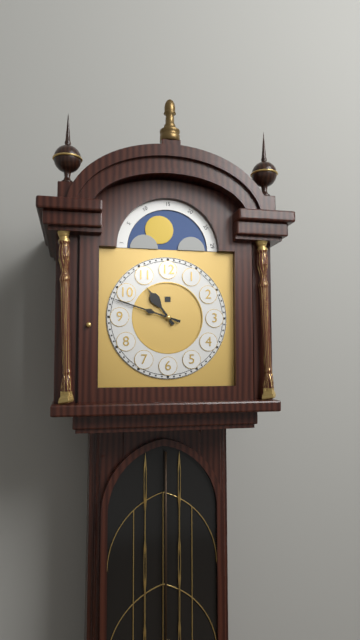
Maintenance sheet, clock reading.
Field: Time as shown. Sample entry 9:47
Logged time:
10:48
